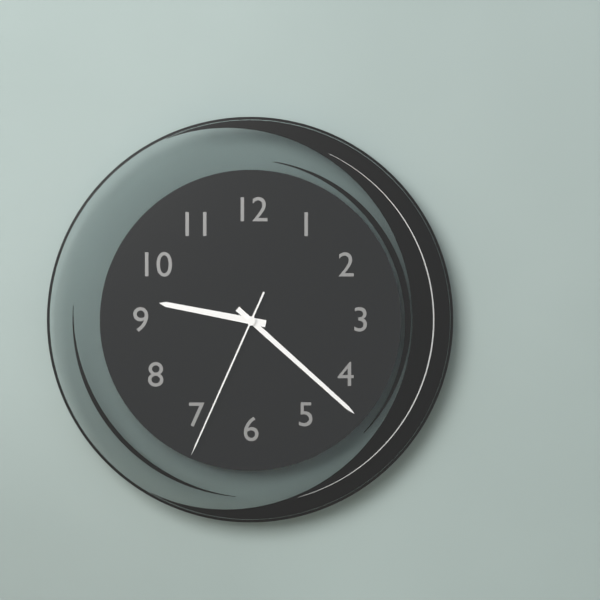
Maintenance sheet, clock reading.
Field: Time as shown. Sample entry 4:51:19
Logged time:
9:22:34
